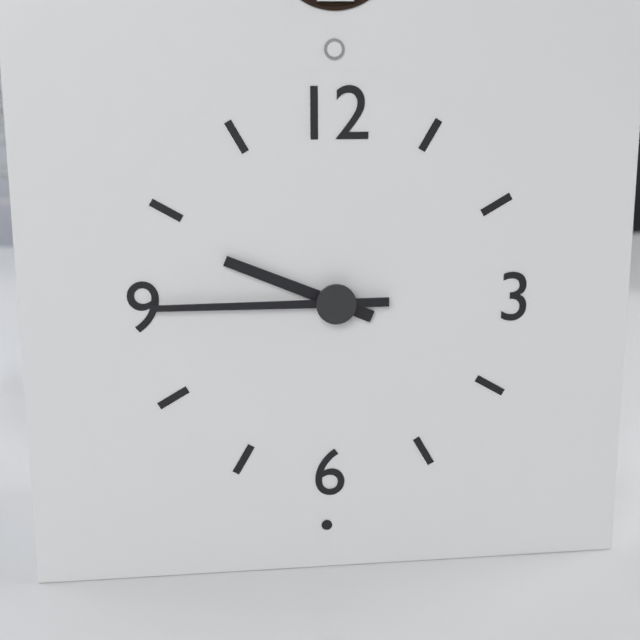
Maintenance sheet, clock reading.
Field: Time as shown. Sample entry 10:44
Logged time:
9:45
